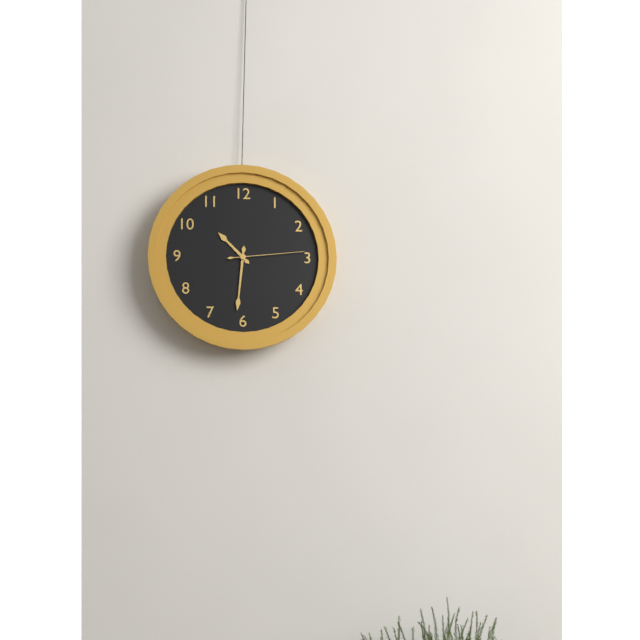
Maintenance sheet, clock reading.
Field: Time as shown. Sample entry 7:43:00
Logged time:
10:31:14
